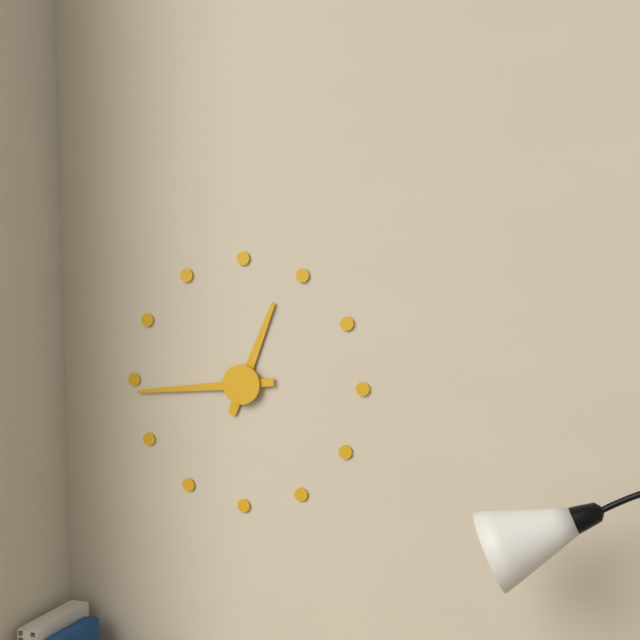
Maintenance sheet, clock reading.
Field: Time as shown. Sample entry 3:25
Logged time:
12:44
